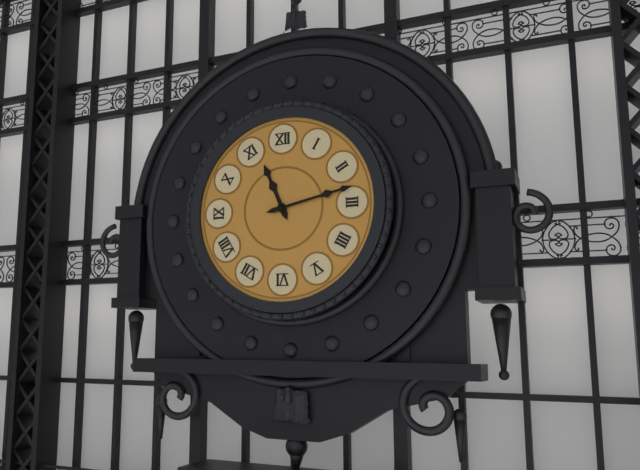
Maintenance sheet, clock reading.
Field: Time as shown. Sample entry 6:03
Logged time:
11:13
